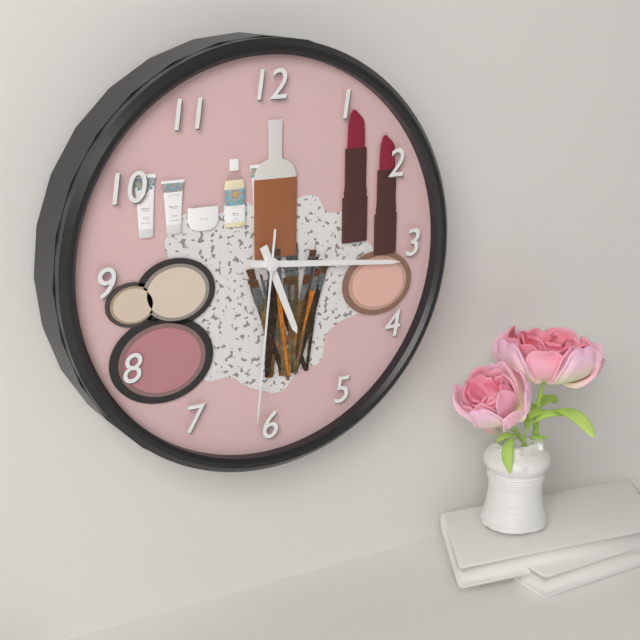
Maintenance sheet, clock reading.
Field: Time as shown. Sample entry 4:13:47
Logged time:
5:16:31
